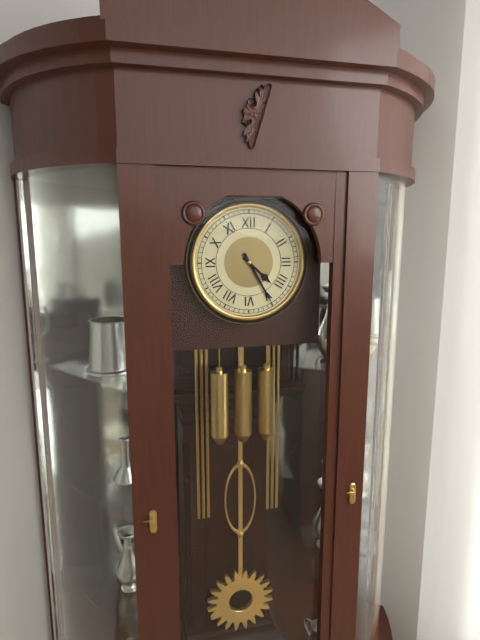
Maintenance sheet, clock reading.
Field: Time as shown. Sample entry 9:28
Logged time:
4:25
